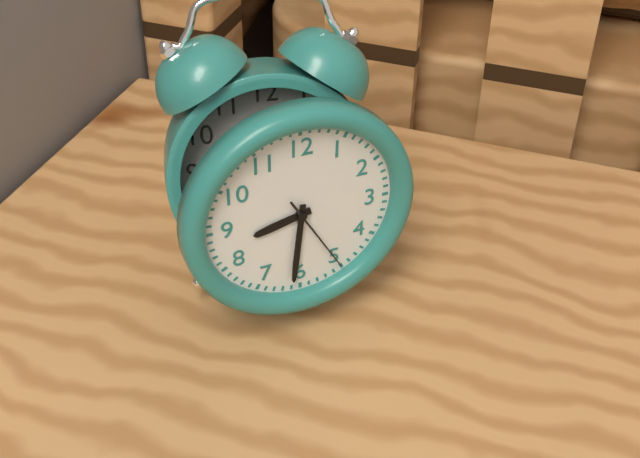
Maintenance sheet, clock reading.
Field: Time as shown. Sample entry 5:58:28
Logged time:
8:31:25
